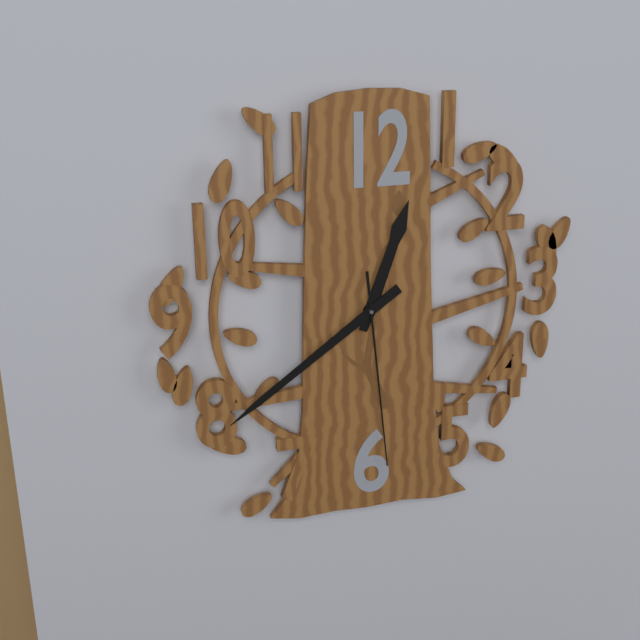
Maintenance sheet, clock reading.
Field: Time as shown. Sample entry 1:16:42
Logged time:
12:39:29
